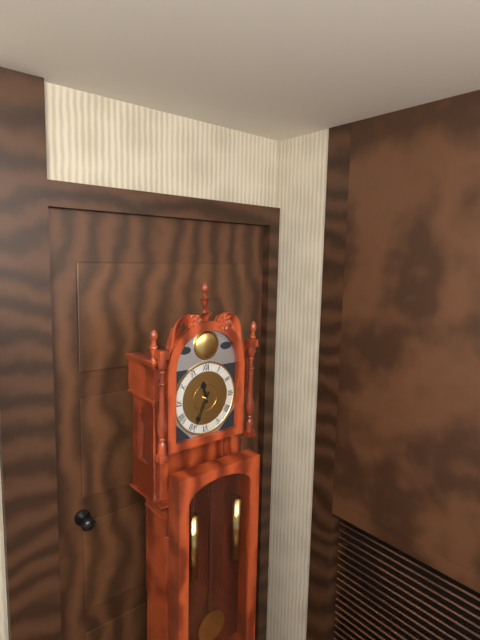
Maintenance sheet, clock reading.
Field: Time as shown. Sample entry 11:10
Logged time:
11:34
